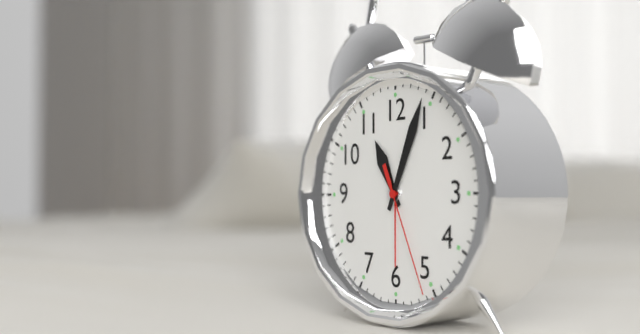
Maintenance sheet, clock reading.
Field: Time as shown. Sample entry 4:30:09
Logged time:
11:04:26
